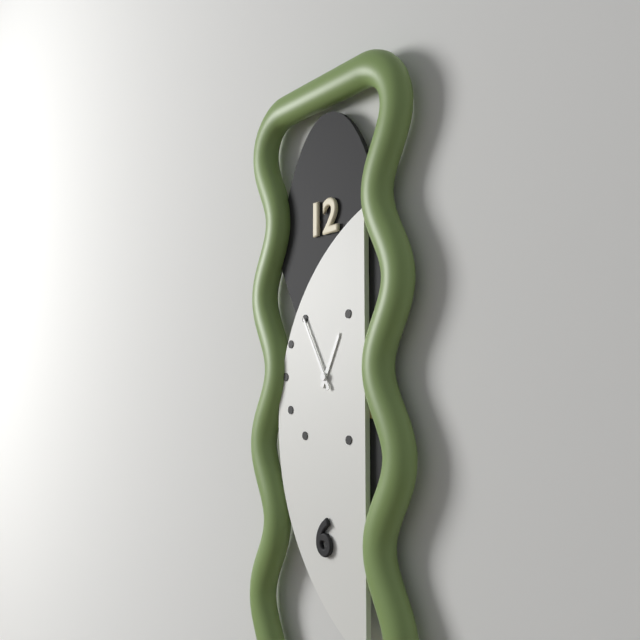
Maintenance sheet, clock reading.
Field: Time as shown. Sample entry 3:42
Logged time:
12:55
